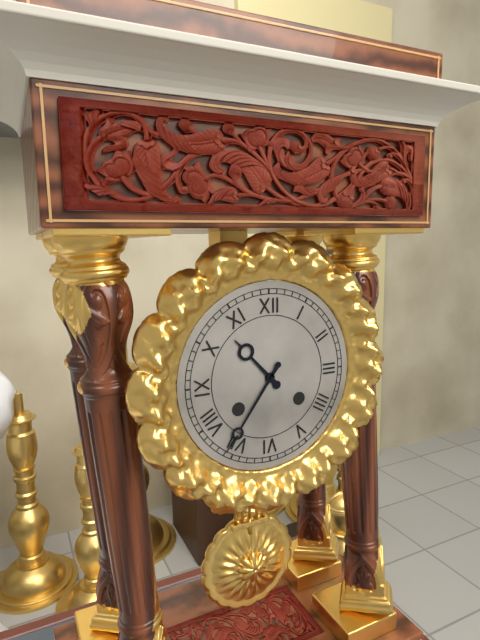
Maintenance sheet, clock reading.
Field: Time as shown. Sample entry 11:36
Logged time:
10:36
